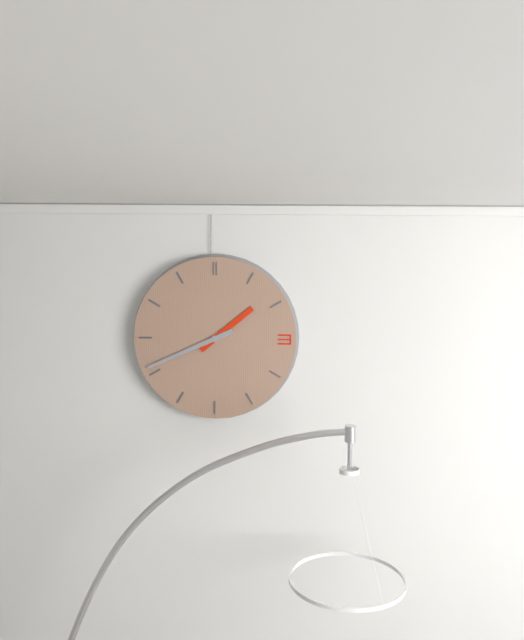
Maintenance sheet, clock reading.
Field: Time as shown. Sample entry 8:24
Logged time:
1:41
